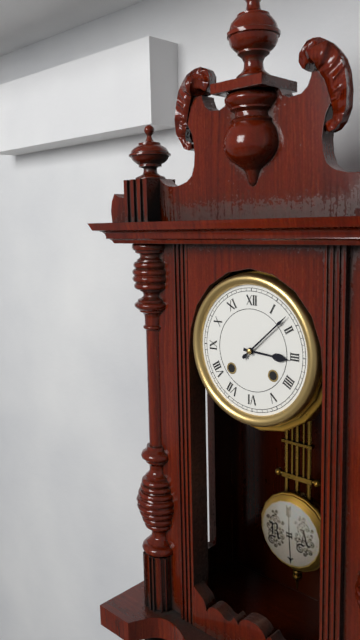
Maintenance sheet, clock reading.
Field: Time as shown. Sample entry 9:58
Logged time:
3:08
